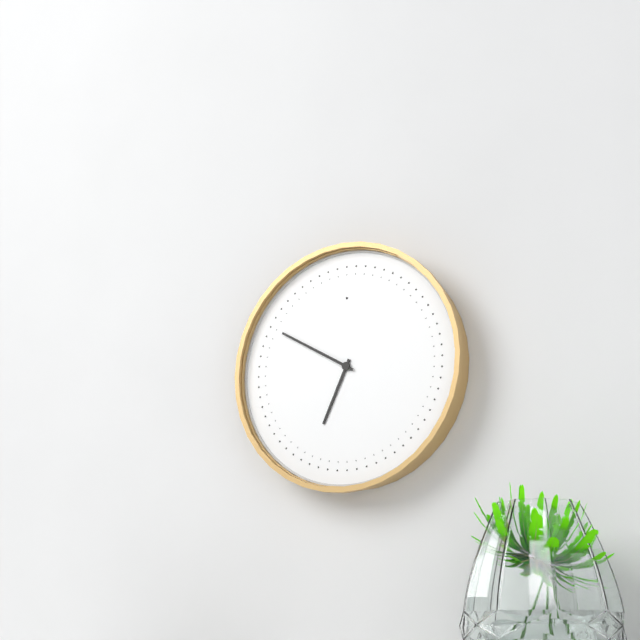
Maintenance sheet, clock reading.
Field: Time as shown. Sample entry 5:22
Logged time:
6:50
